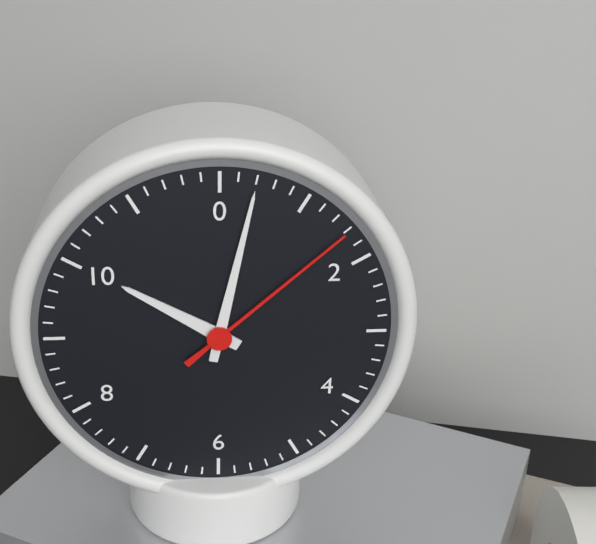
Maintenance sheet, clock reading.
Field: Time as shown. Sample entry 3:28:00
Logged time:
10:02:08
